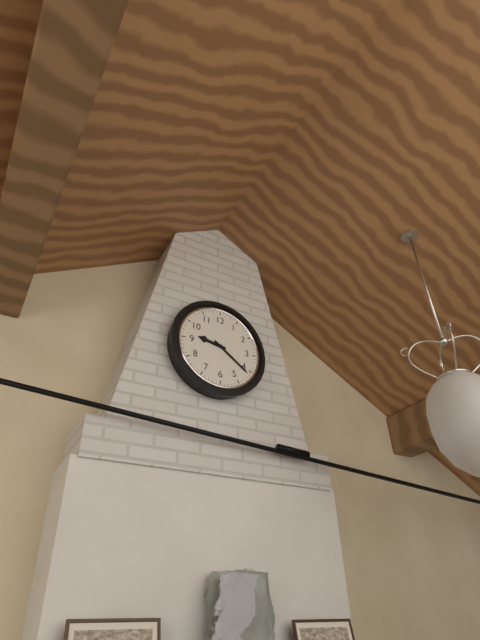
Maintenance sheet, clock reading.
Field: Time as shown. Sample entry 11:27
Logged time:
9:21
